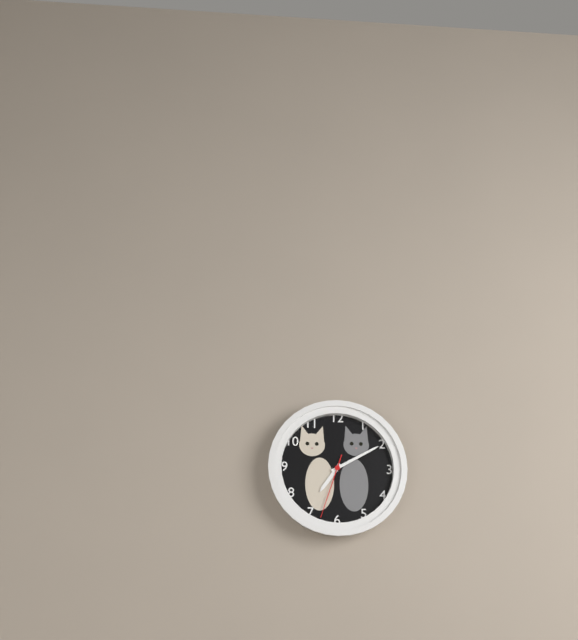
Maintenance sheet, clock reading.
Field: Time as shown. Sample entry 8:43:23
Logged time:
7:10:33
